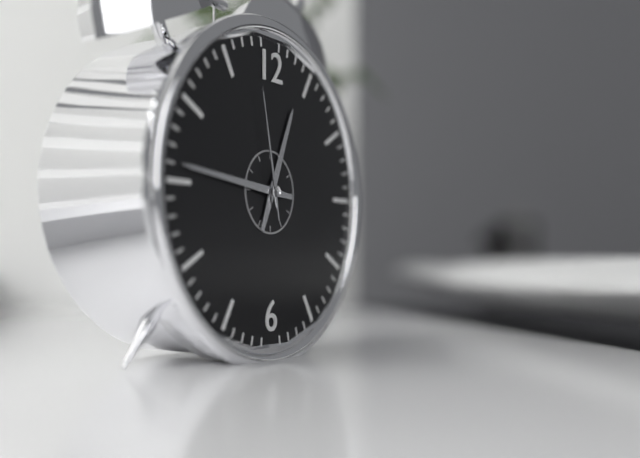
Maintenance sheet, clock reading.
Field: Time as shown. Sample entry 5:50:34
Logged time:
12:46:58
